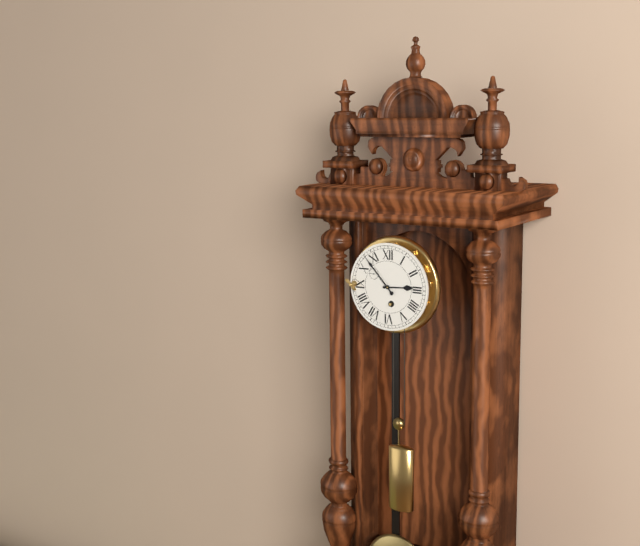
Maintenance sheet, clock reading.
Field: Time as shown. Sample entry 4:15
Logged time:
2:53
